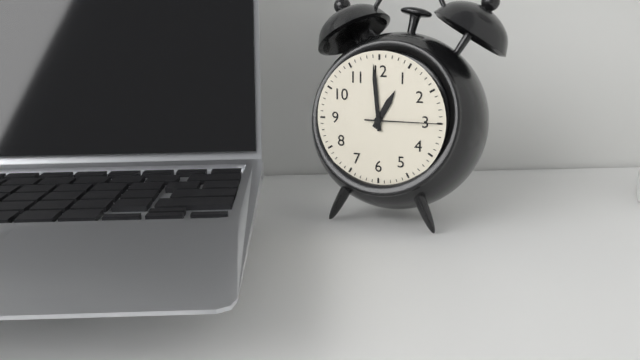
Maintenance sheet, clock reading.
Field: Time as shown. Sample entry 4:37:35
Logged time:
12:59:15
